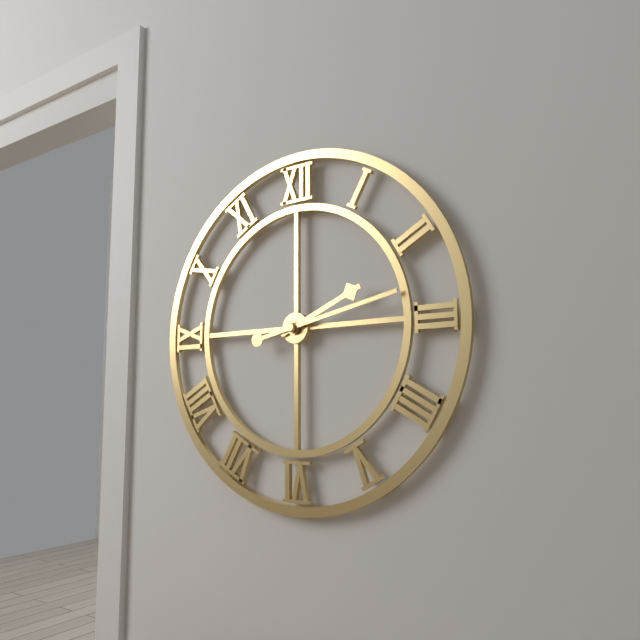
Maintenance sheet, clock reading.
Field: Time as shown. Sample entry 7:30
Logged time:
2:13
